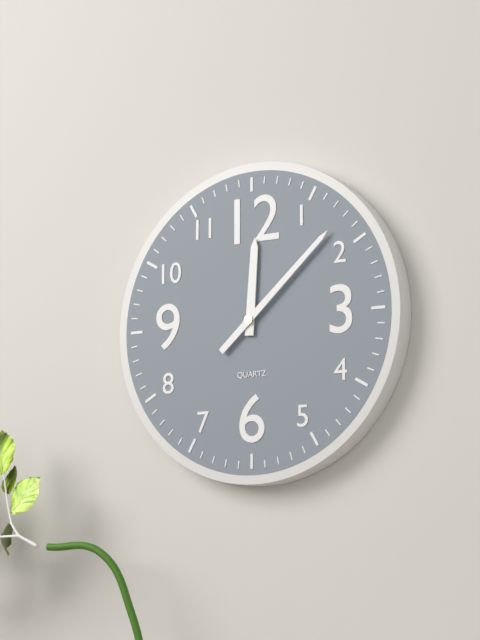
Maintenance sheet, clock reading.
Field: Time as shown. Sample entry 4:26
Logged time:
12:08
